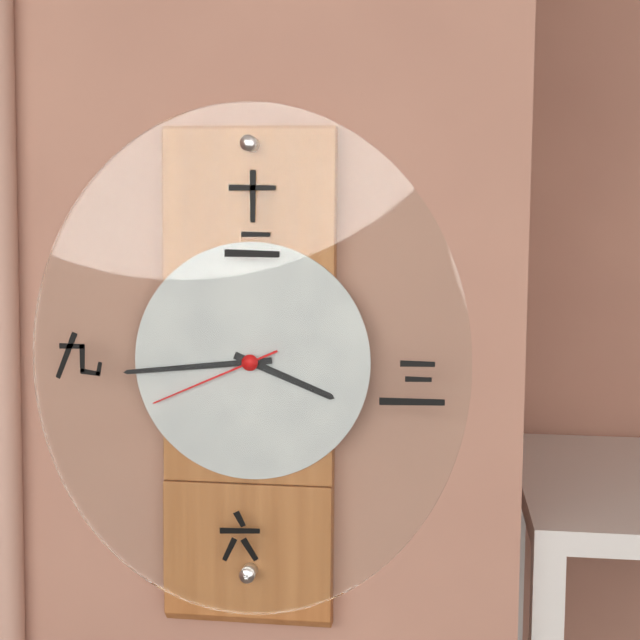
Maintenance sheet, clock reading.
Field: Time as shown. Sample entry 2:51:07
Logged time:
3:44:41
